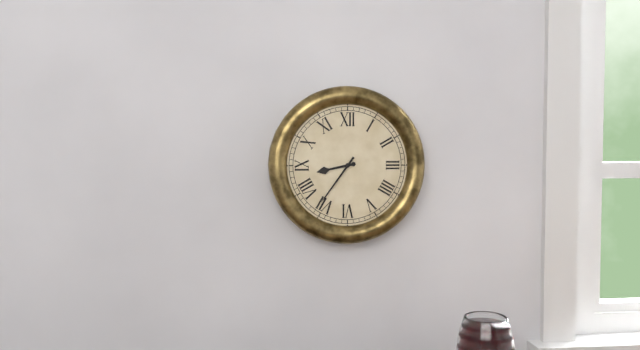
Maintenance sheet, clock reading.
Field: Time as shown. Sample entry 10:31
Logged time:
8:36
